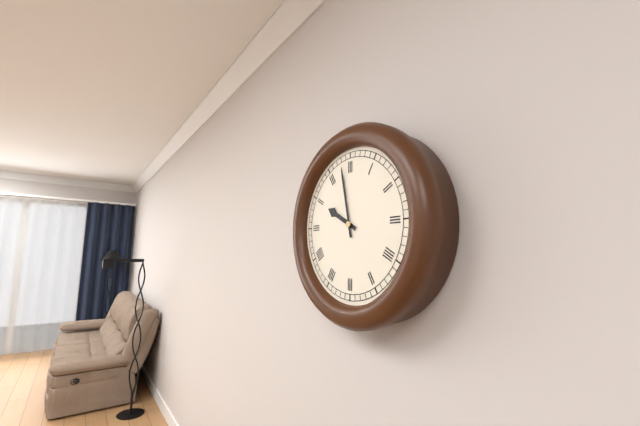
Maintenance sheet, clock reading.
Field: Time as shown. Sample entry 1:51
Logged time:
9:58
